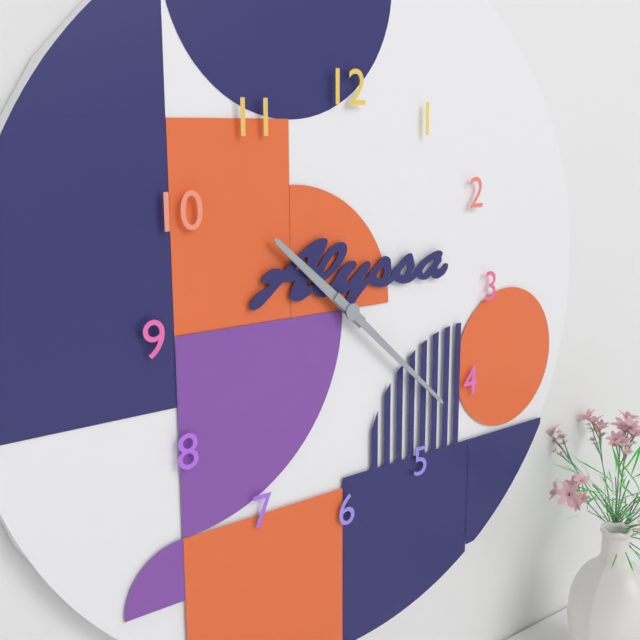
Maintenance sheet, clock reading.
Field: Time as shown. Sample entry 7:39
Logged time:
10:22
